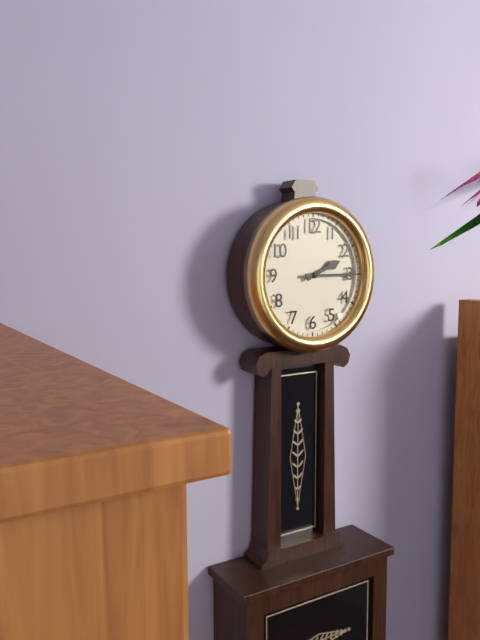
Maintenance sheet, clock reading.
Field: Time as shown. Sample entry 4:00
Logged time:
2:15
